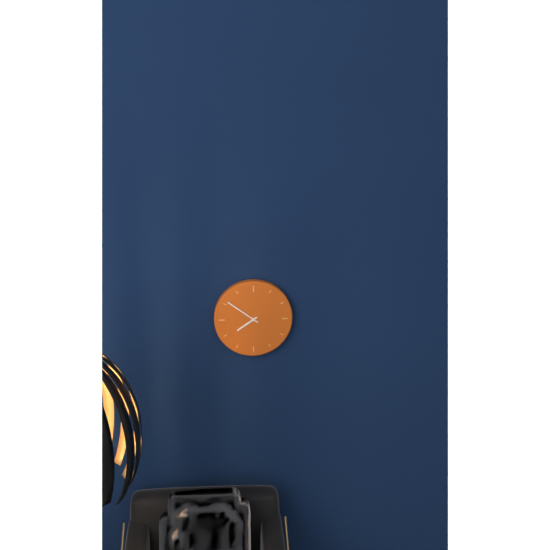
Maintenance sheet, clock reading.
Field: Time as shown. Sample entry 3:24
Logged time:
7:51
